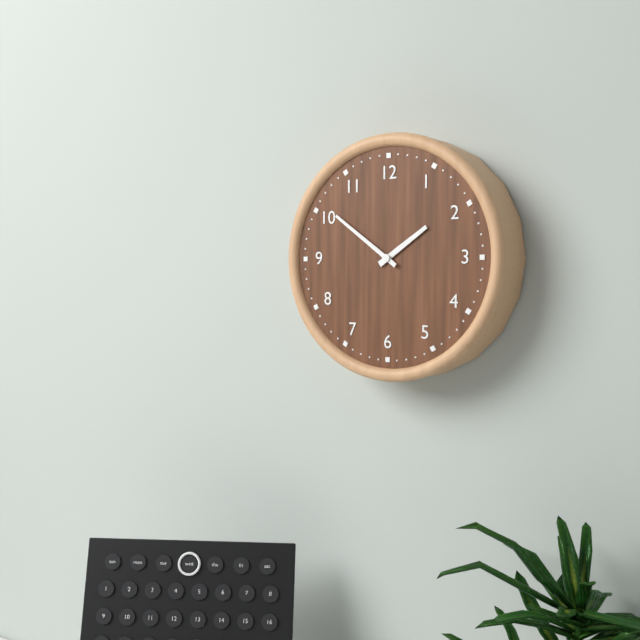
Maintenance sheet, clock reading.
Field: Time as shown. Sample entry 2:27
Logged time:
1:51
